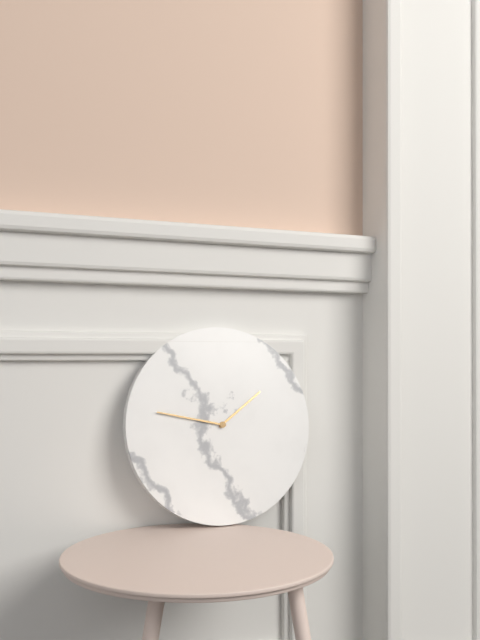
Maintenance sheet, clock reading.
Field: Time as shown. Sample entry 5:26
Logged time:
1:47
